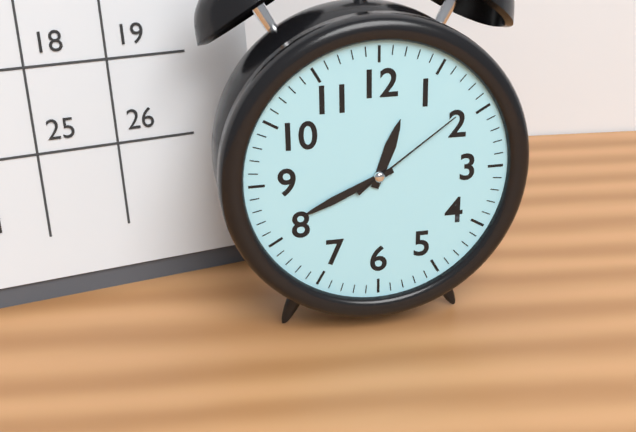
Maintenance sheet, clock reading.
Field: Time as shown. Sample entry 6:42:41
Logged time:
12:41:09
